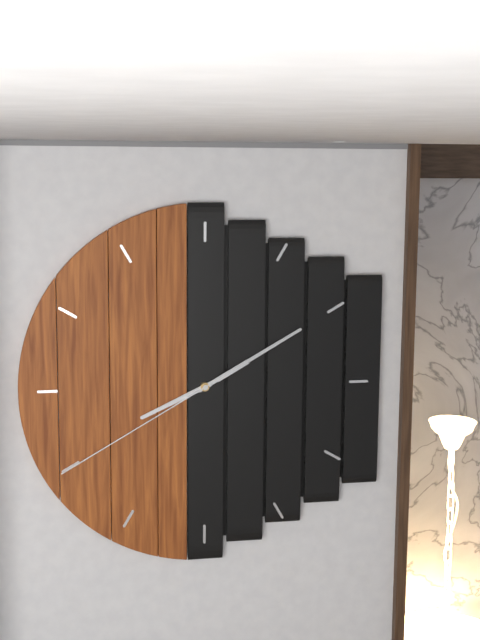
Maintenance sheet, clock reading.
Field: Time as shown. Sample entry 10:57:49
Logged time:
8:10:40
